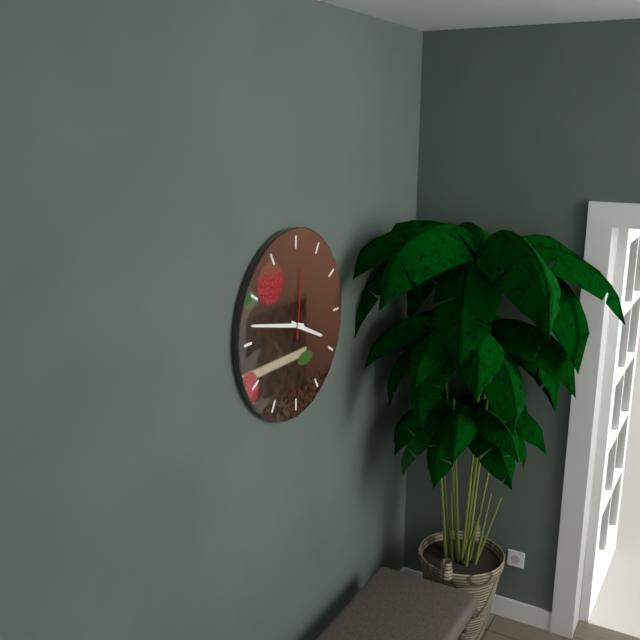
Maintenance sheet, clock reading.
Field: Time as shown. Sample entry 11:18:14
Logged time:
3:47:01
